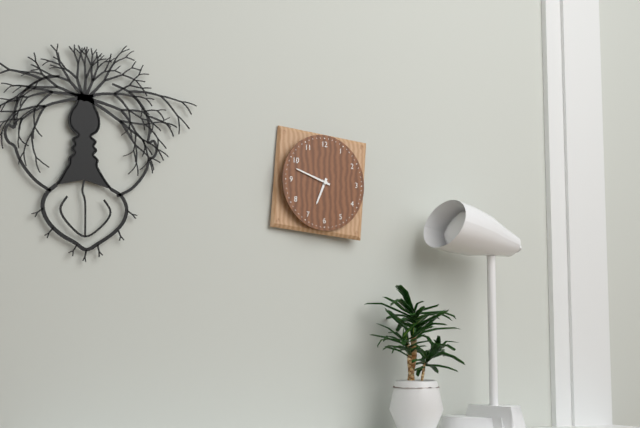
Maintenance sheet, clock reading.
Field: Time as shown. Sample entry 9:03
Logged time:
6:48
